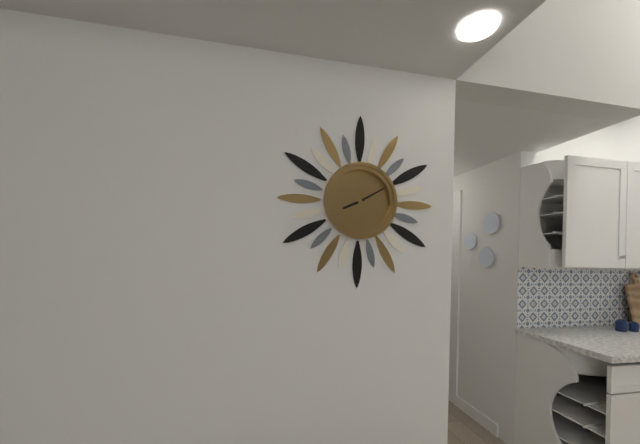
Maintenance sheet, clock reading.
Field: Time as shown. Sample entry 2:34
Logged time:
8:10
